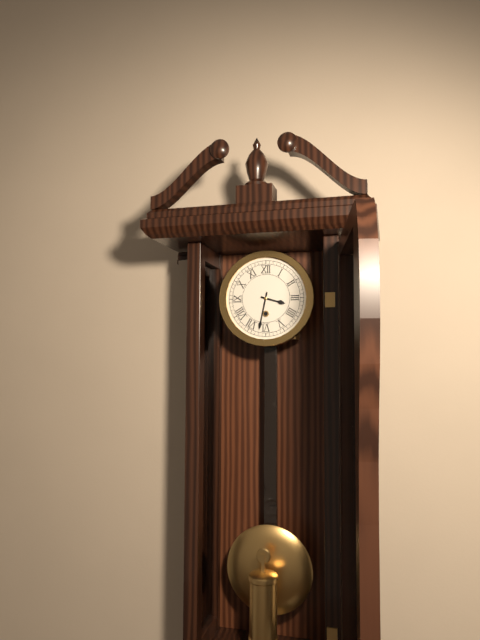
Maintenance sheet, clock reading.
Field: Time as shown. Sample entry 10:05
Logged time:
3:32
